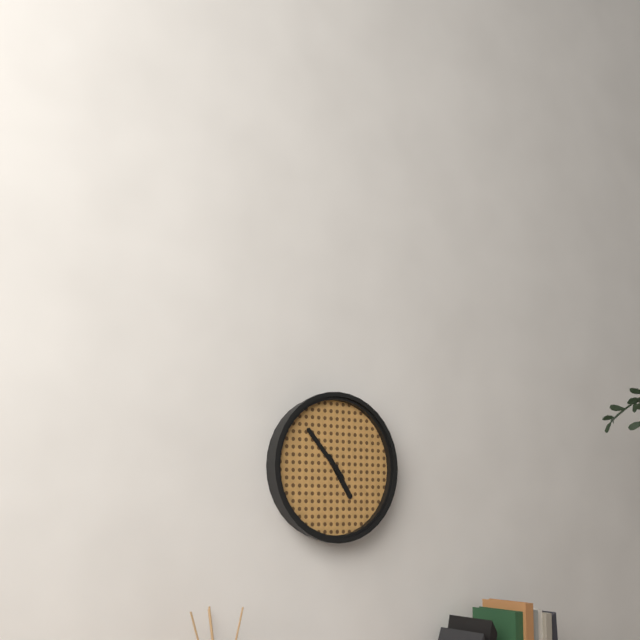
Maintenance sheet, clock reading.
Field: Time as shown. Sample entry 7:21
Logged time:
4:53
